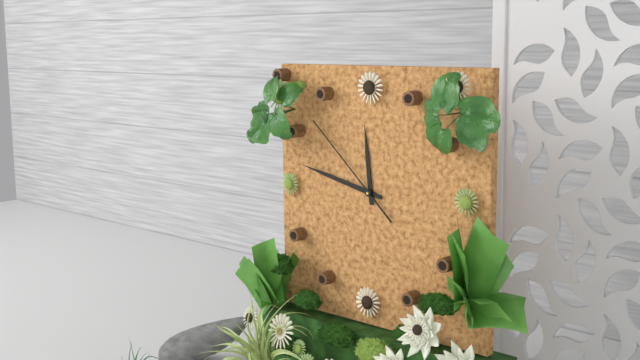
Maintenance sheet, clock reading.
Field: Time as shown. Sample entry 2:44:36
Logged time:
11:47:52
